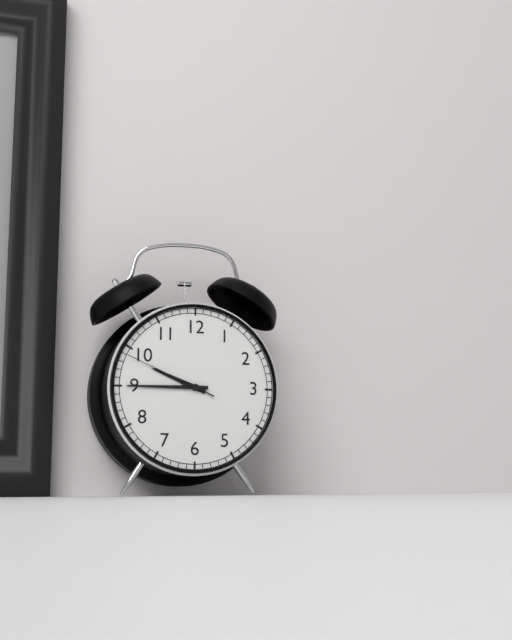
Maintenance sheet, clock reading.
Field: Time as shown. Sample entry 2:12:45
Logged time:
9:45:49
